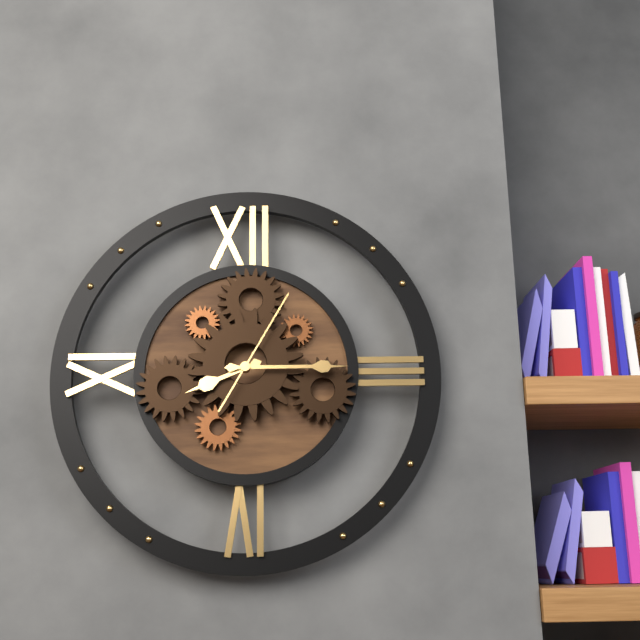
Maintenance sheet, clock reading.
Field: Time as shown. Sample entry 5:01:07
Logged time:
8:15:05
